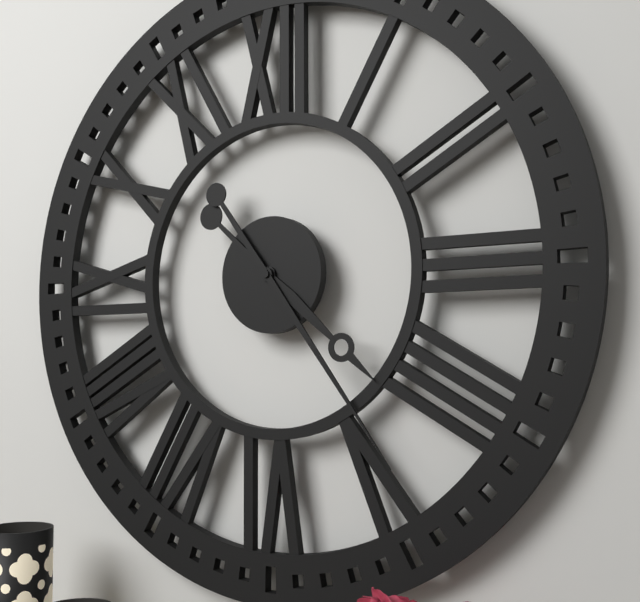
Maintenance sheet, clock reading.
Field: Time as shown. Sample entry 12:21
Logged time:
4:24
